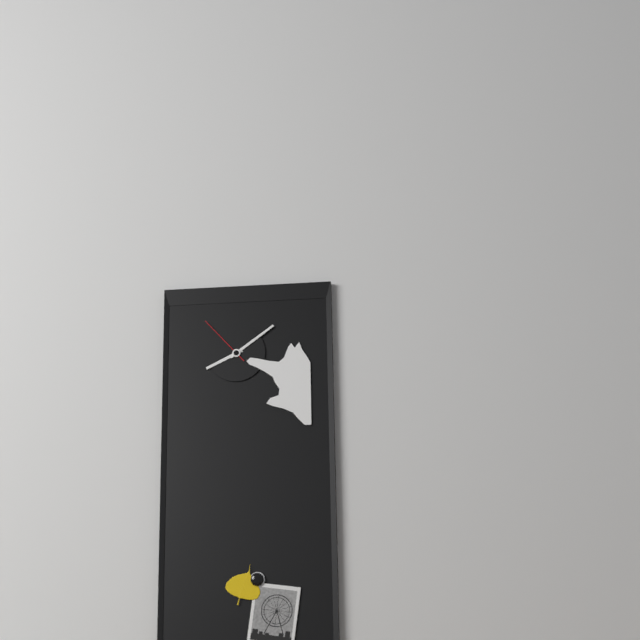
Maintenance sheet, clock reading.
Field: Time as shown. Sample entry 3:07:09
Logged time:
8:09:53
